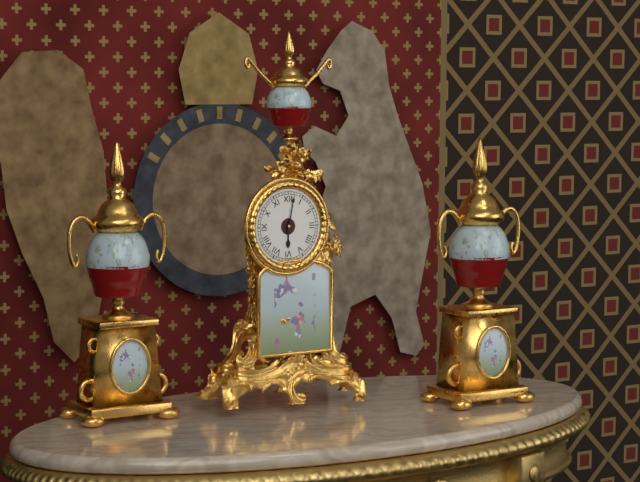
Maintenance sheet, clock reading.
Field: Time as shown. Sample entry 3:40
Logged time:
6:02
